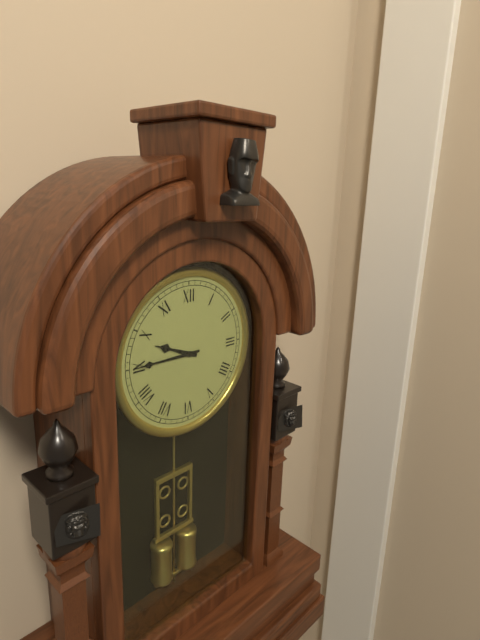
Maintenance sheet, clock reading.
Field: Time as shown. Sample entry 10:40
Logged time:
9:45
